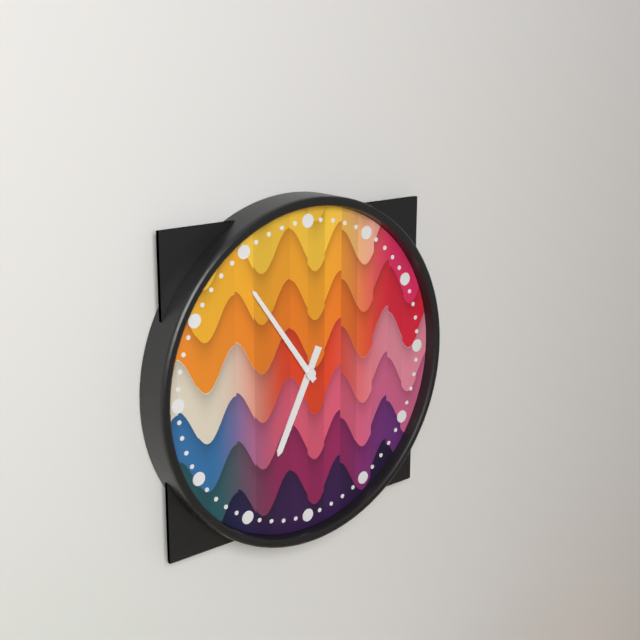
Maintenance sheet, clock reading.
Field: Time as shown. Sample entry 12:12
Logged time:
6:54
